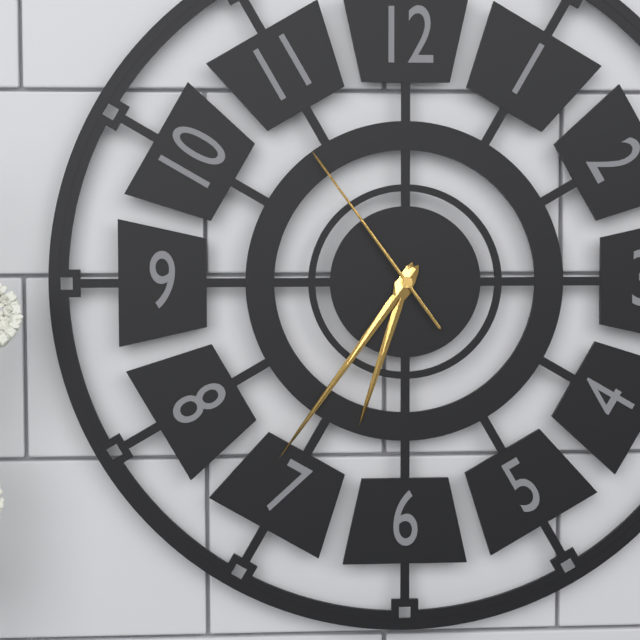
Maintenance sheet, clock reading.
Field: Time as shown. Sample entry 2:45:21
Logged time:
6:36:54
